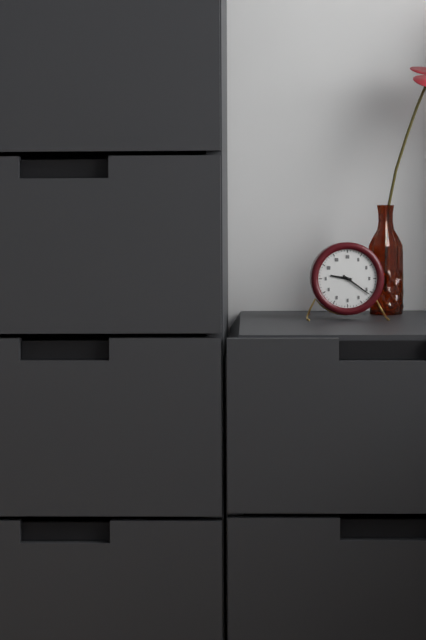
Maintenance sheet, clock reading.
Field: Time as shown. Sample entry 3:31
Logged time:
9:21
